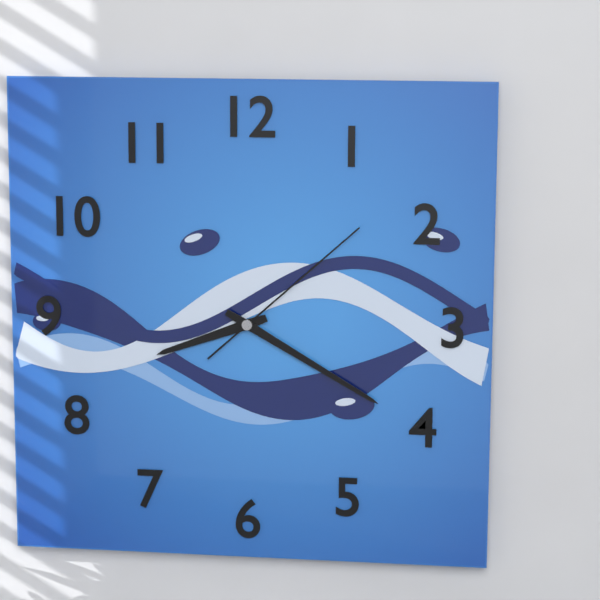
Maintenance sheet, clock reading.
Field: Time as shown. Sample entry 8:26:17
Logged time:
8:20:08
